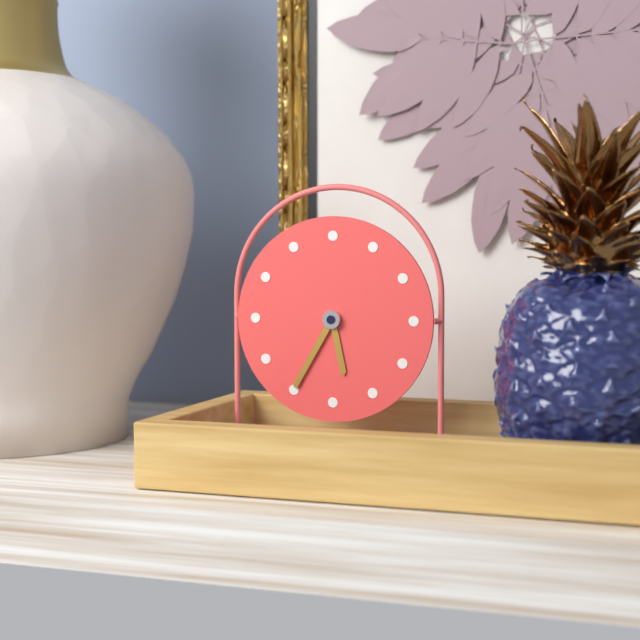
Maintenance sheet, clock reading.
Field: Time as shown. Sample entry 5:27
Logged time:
5:35
